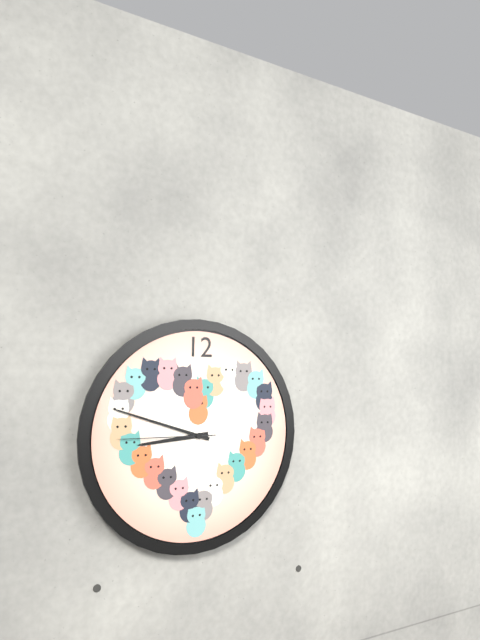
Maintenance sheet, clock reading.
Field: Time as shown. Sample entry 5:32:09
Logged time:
8:48:45
